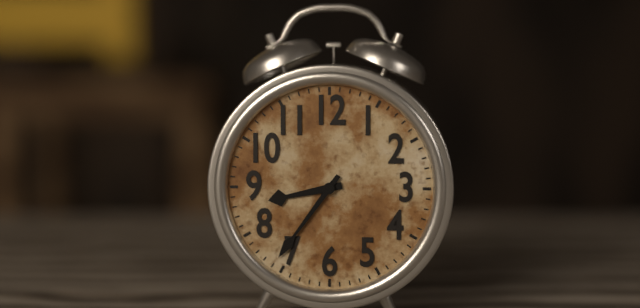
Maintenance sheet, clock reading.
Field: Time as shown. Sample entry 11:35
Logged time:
8:36
